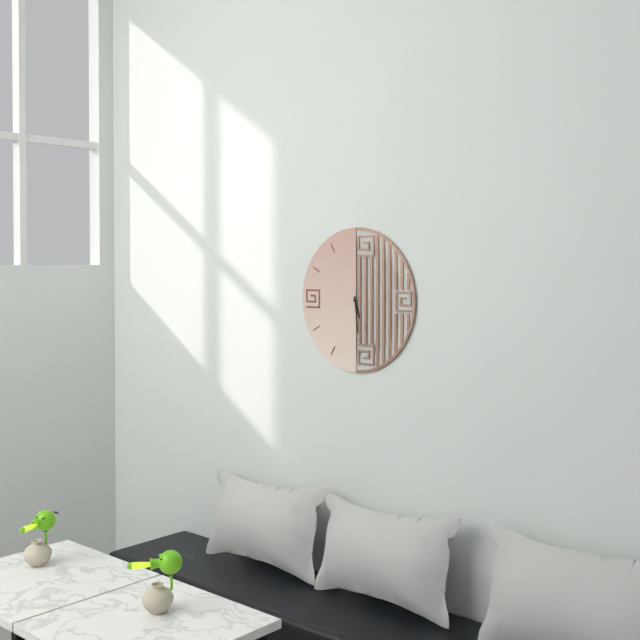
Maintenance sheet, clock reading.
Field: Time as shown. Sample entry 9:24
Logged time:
5:29
